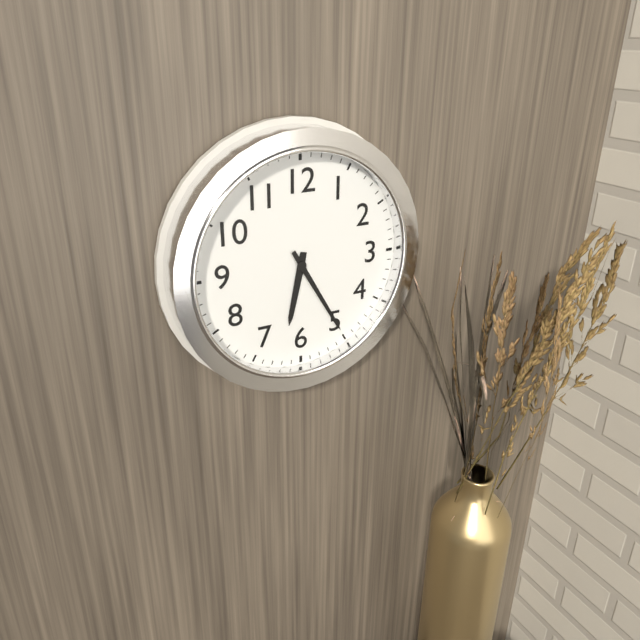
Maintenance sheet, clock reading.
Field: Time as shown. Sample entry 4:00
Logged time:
6:25
